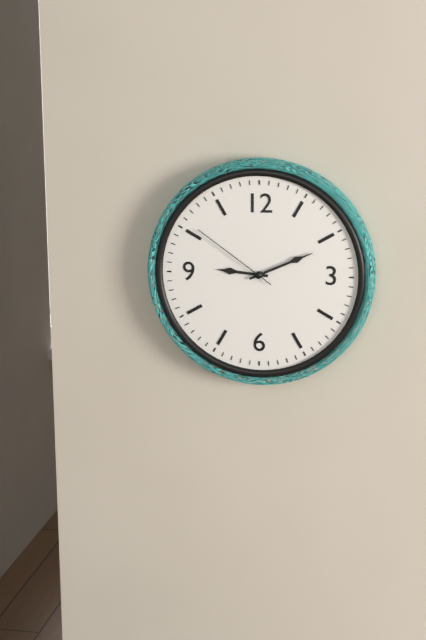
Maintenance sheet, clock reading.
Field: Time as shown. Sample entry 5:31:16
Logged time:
9:11:51
